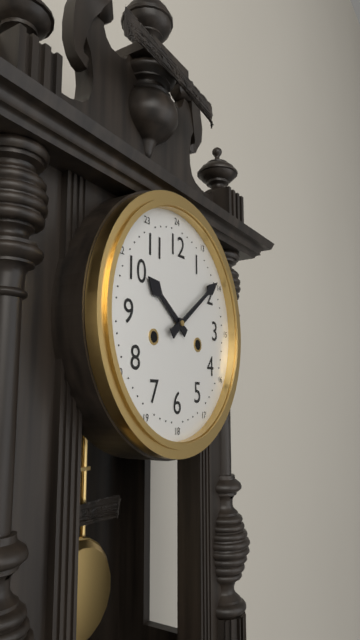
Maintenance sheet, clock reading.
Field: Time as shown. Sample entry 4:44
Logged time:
10:09
